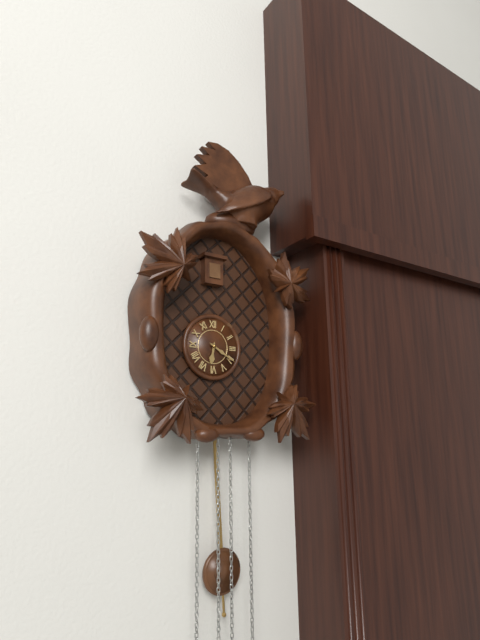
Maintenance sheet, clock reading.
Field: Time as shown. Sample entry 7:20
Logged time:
6:20
